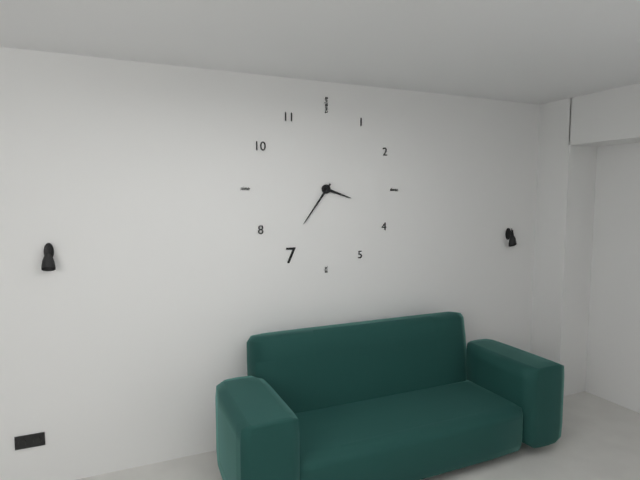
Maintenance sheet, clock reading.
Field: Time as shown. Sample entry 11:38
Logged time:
3:36
